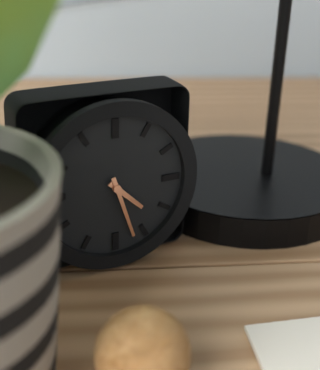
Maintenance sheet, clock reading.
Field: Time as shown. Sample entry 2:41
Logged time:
4:27
